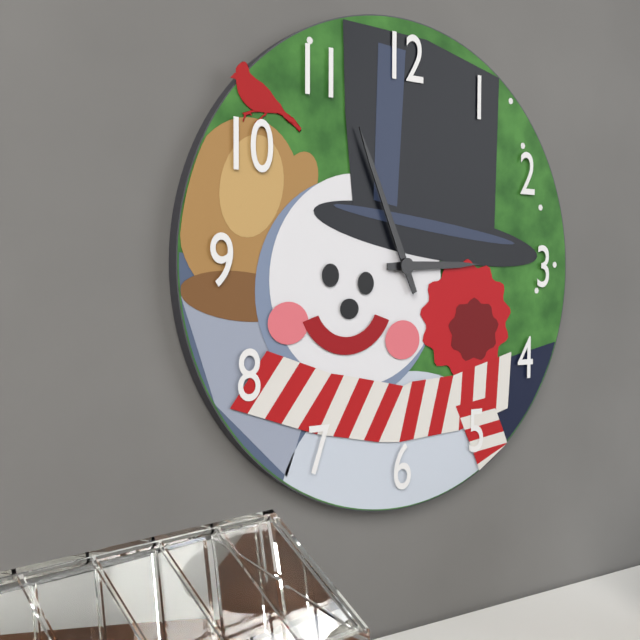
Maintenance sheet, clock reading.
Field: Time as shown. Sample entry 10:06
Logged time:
2:56
